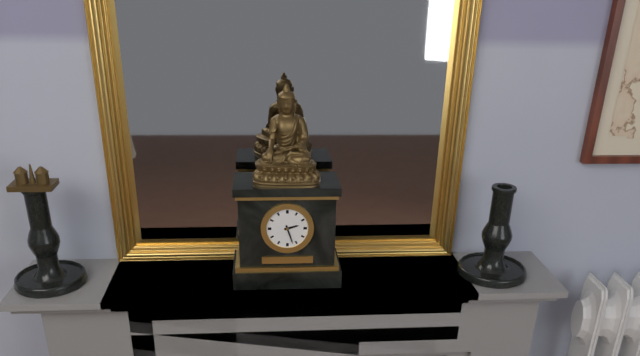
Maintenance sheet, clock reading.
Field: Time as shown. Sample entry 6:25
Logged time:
2:27
